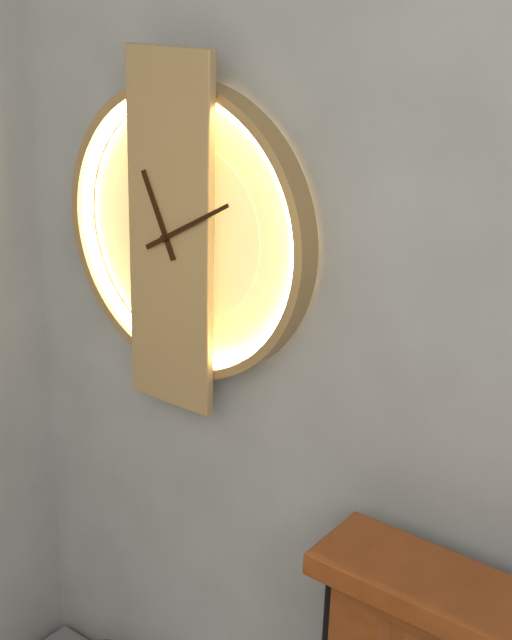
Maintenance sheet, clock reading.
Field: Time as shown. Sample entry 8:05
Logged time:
11:10
